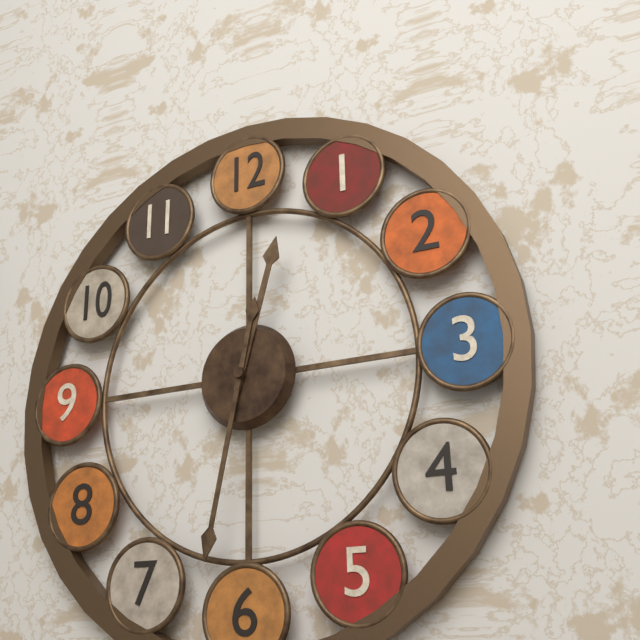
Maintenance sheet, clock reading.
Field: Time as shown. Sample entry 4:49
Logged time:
12:32
